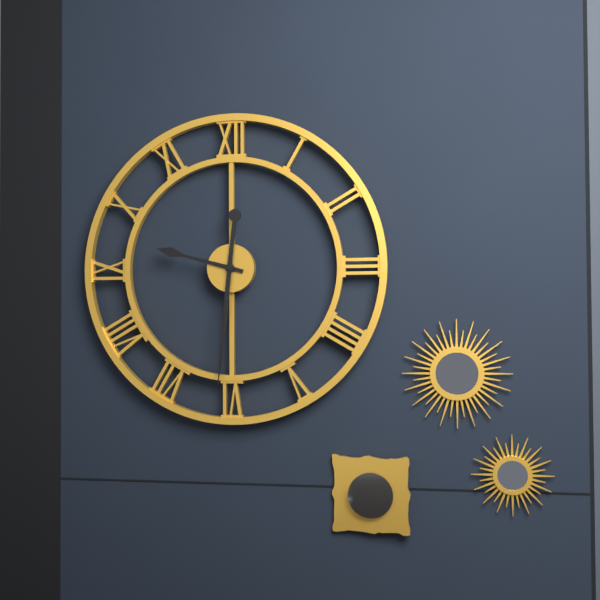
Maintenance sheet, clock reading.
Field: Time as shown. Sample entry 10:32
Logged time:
9:31
